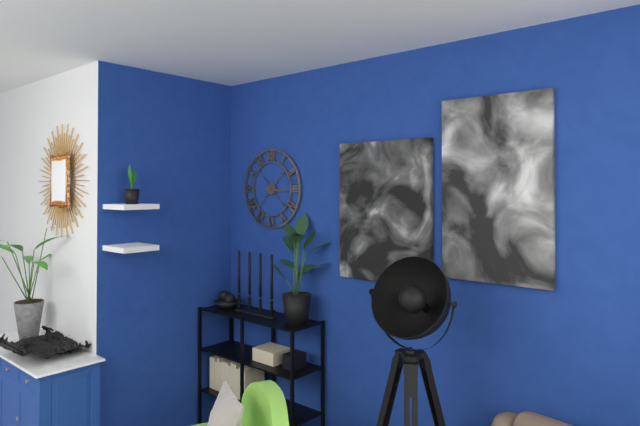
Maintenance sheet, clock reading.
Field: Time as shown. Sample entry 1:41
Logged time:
3:16
